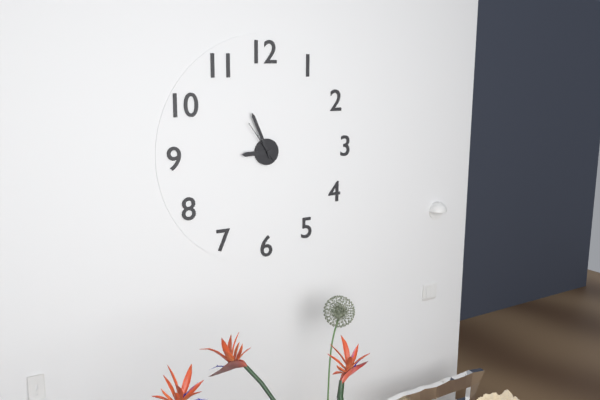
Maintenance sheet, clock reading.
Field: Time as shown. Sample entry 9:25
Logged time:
8:56
